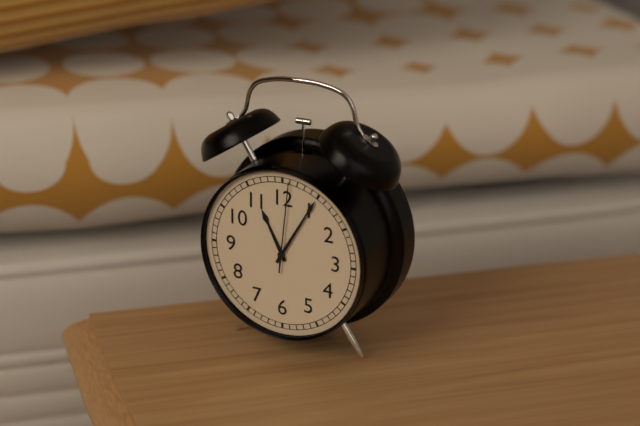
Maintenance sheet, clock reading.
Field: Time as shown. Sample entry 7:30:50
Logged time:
11:05:01
